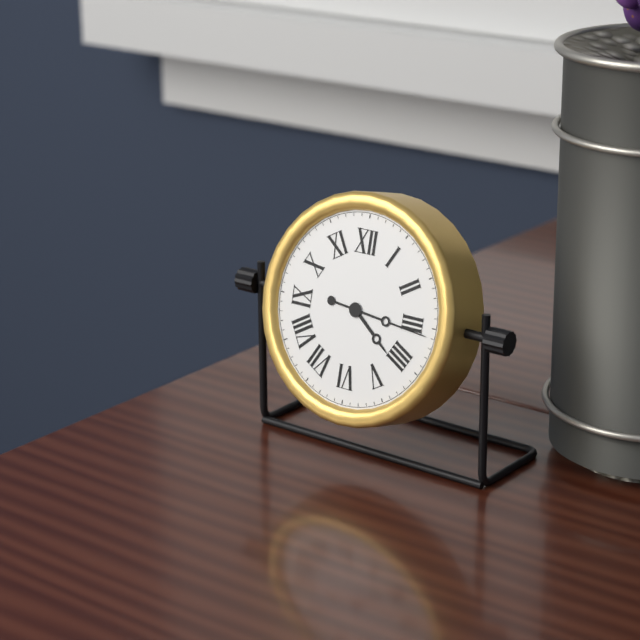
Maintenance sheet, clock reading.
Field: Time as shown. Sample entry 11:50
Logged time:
4:16
